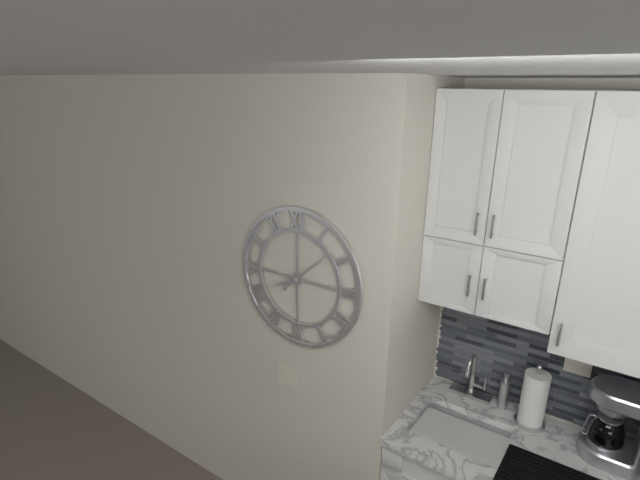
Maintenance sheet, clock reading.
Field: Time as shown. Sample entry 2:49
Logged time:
8:08
